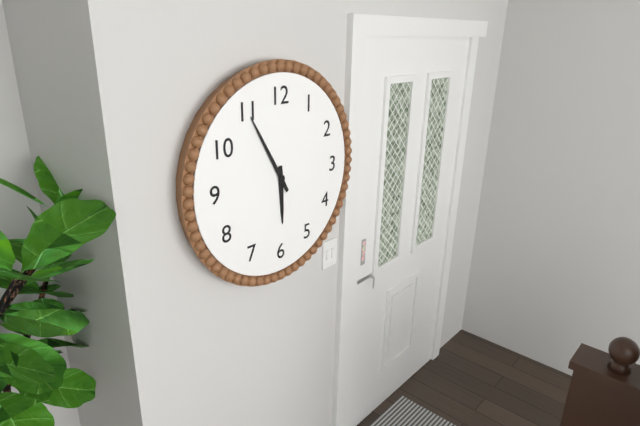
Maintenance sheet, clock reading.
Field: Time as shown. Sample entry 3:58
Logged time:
5:55
